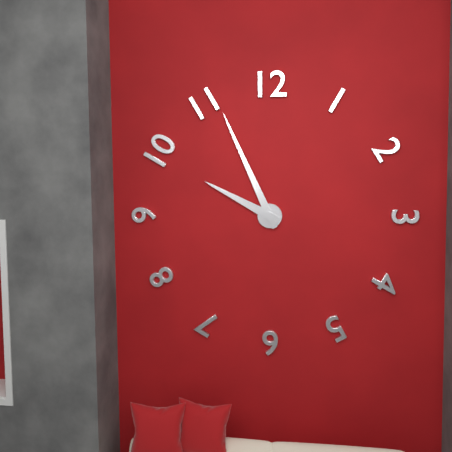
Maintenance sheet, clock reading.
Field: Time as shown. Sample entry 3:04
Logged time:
9:56
